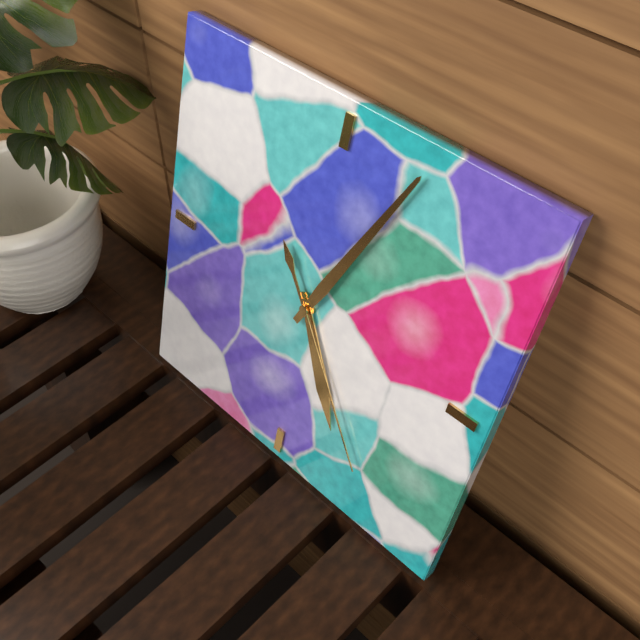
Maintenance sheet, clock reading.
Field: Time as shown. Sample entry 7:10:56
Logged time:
5:04:24
